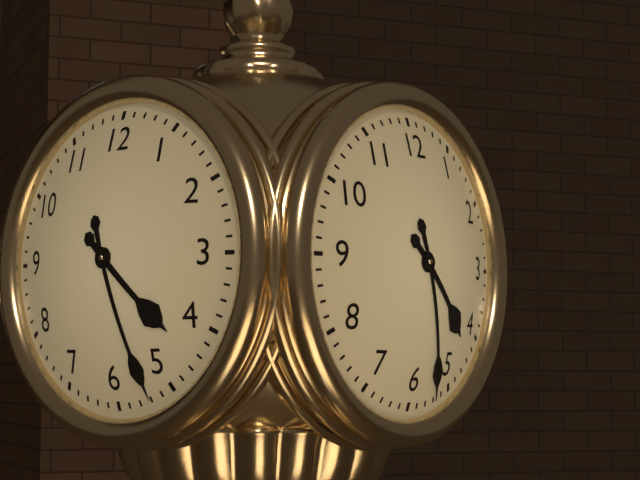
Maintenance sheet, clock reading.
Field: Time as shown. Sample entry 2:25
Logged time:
4:27
